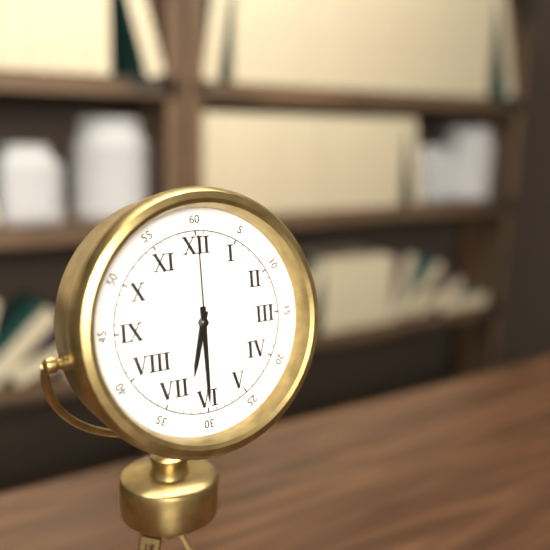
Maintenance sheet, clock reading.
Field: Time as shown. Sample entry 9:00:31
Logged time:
6:30:00
